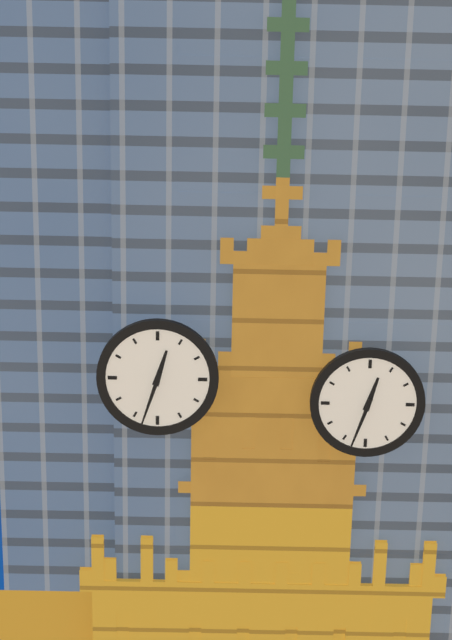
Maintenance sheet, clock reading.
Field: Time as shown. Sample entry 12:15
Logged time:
12:33
